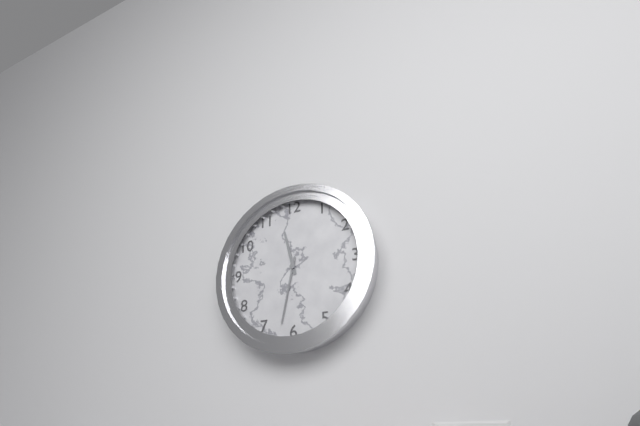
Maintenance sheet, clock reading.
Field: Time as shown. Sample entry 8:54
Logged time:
11:32
